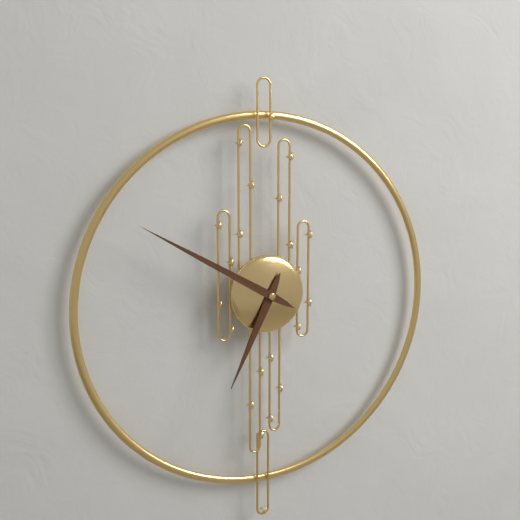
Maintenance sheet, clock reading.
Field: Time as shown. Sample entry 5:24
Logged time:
6:50
